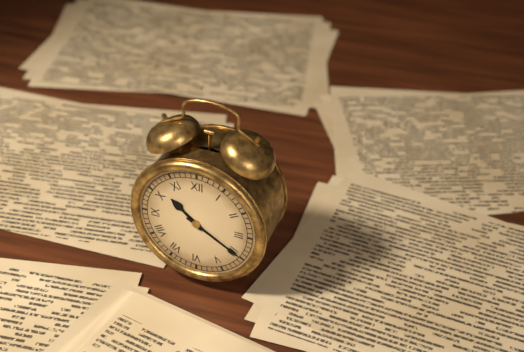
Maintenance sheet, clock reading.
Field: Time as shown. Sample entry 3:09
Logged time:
10:20
